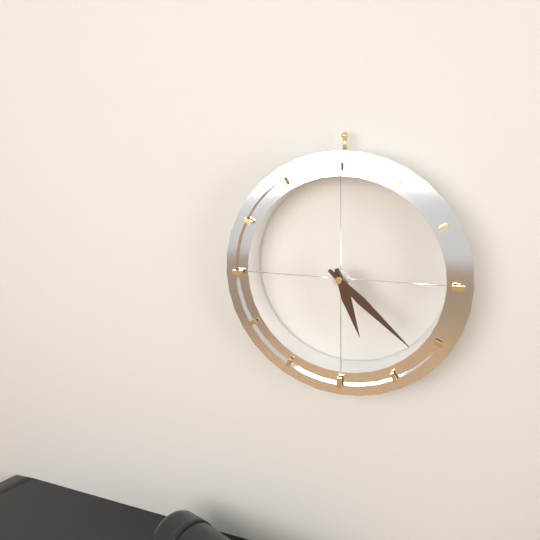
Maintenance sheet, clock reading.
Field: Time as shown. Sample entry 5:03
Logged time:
5:22
